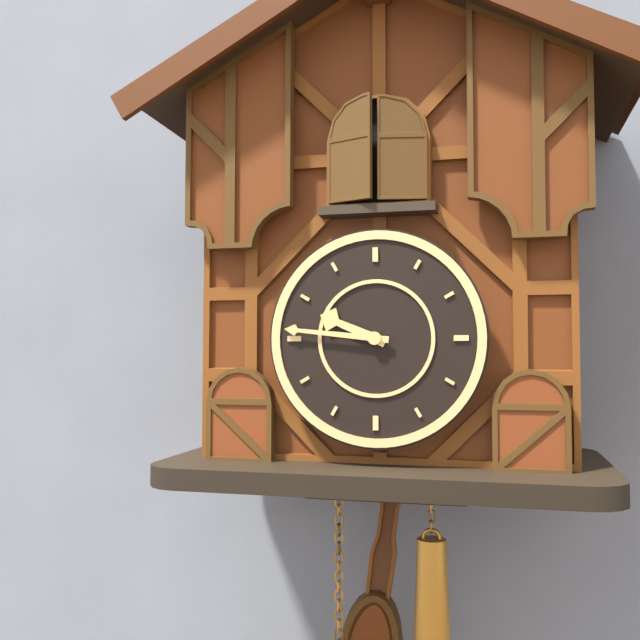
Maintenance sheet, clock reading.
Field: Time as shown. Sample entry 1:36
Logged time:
9:46
